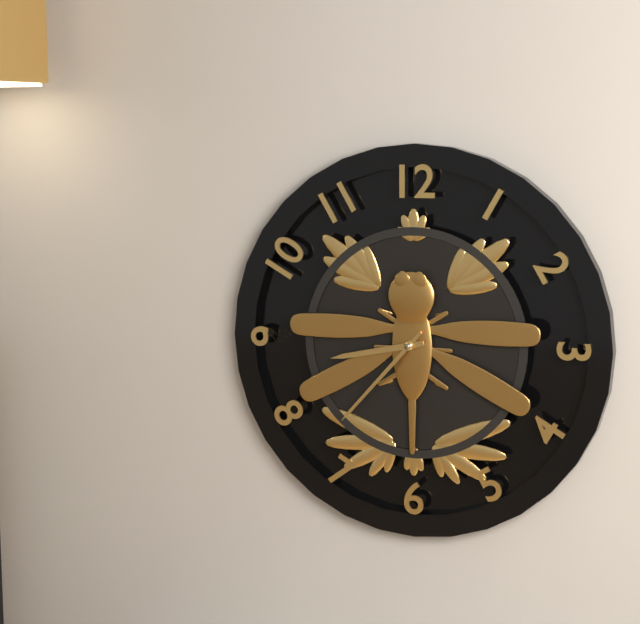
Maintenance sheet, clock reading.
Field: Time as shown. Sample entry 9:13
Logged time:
8:37
